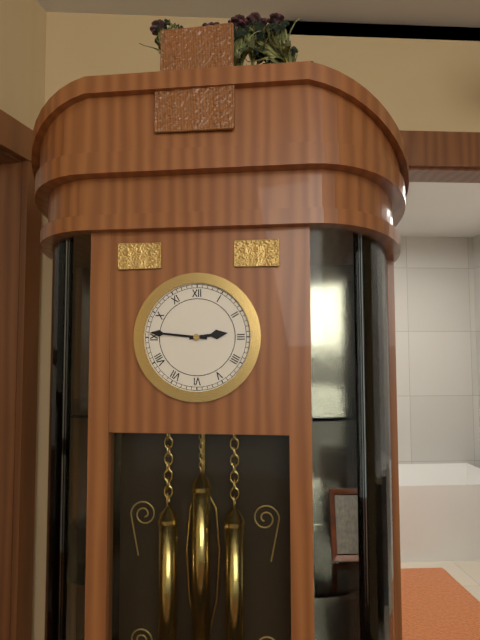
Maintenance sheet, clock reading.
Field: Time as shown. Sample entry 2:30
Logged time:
2:46
